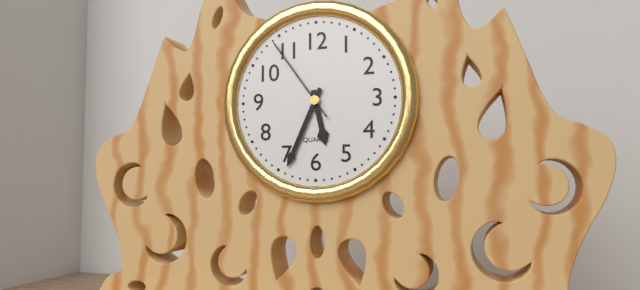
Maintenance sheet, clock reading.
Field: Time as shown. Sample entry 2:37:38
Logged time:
5:34:54
